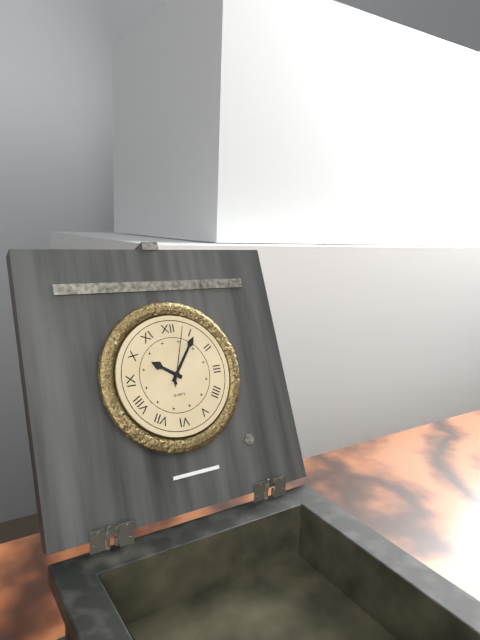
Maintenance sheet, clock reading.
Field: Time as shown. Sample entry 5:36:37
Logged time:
10:06:03
